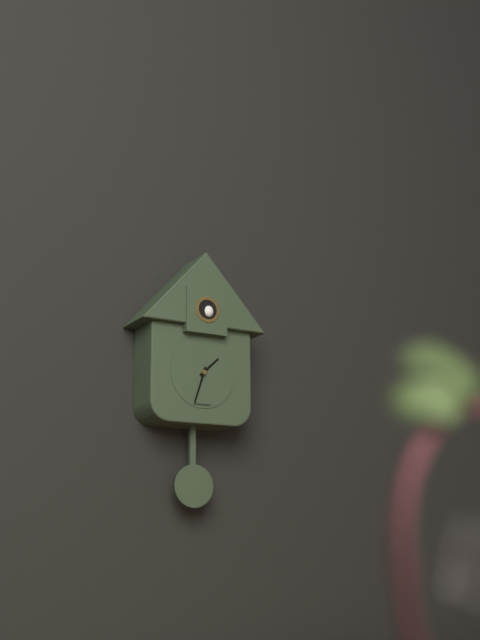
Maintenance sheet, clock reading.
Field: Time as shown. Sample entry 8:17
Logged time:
1:33
